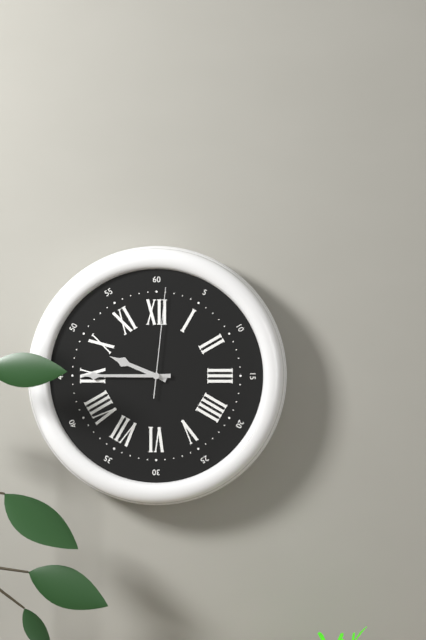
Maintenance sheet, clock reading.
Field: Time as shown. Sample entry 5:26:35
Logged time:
9:45:01
